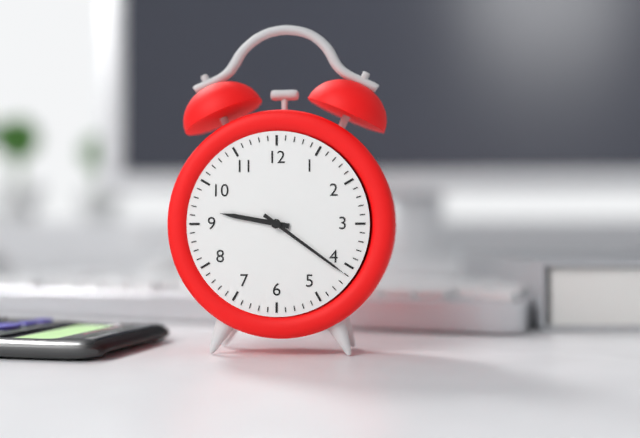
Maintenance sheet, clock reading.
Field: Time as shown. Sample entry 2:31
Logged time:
9:21
